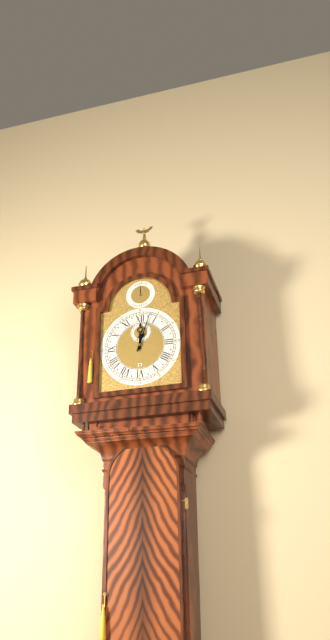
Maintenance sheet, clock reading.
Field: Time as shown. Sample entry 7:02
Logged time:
12:03
